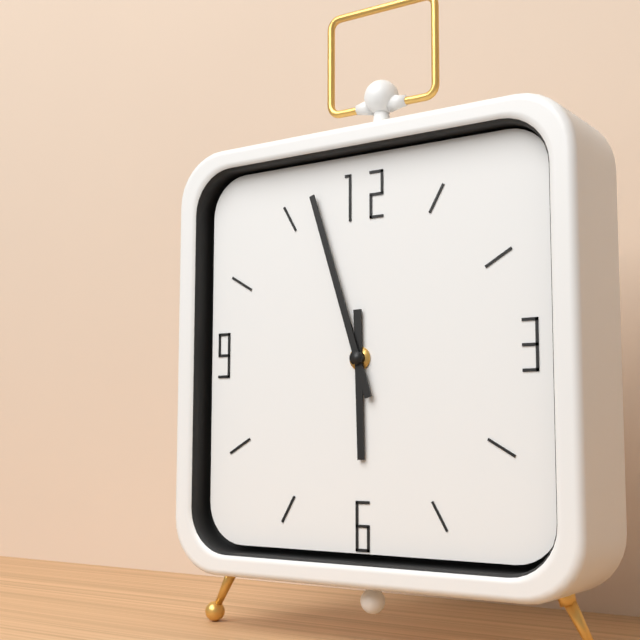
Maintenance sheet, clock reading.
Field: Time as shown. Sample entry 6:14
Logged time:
5:57
